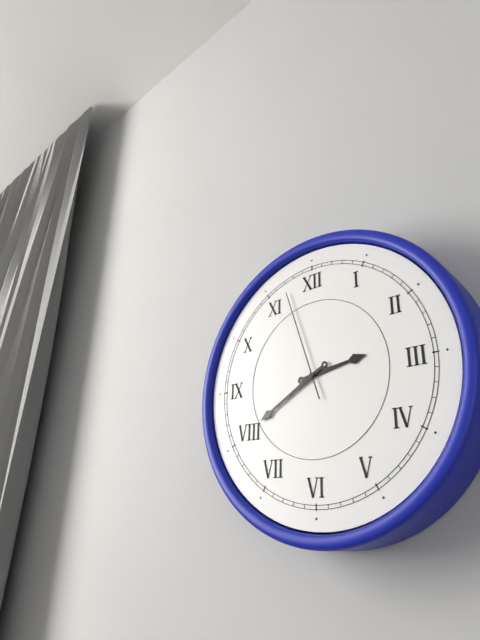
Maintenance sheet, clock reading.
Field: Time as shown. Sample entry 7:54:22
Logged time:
2:40:57
